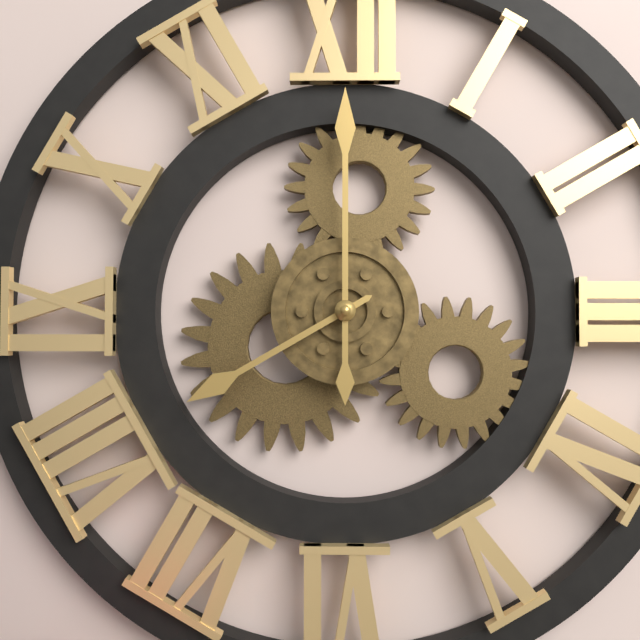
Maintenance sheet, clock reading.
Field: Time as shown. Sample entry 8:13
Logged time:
8:00
